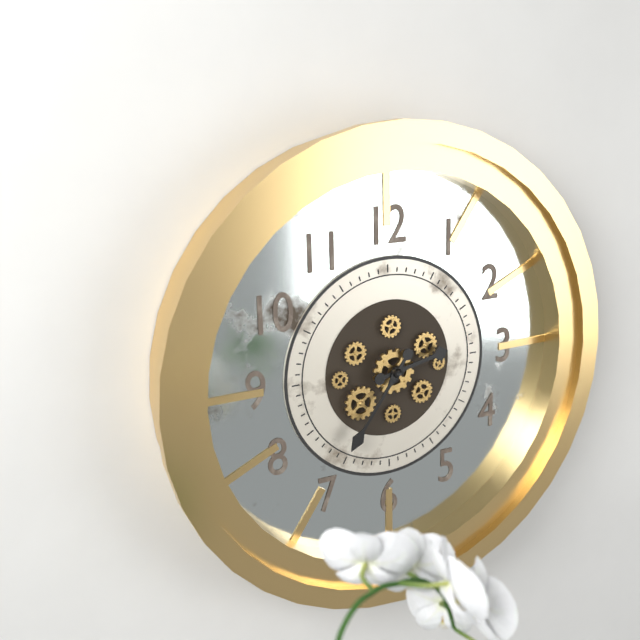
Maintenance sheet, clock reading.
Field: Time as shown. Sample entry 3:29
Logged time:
2:36
